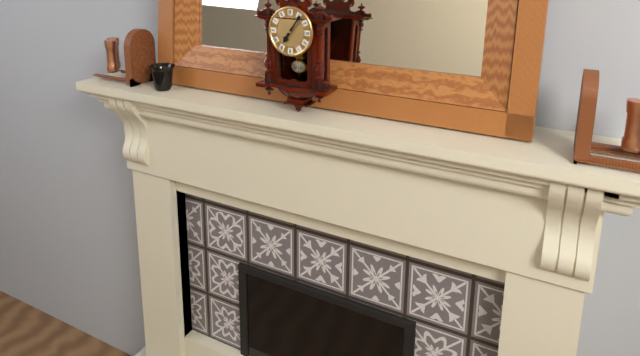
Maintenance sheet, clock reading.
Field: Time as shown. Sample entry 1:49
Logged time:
7:06
